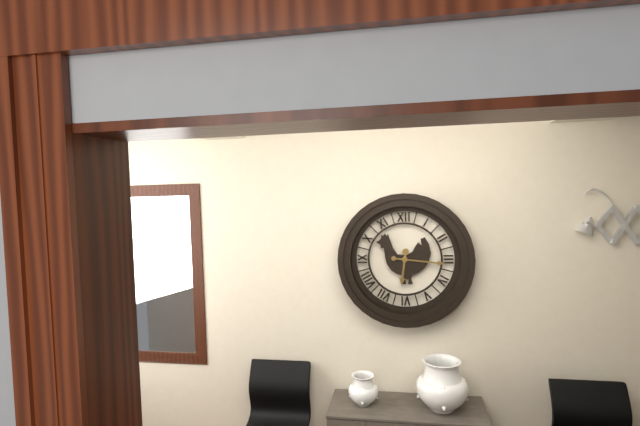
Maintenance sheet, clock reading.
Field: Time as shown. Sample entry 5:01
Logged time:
6:16
